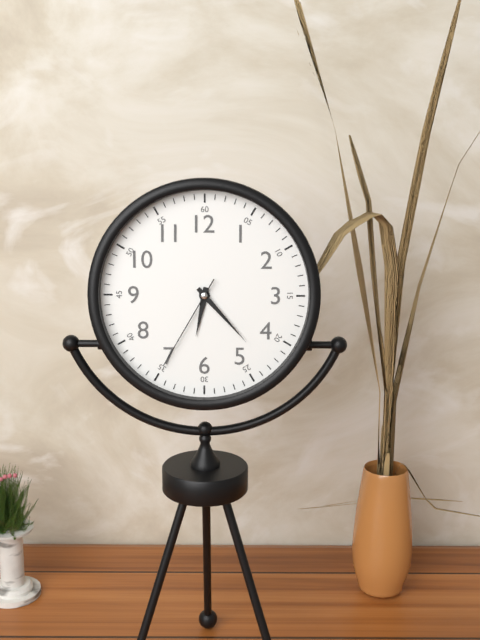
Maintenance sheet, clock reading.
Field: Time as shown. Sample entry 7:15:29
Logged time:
6:23:35
